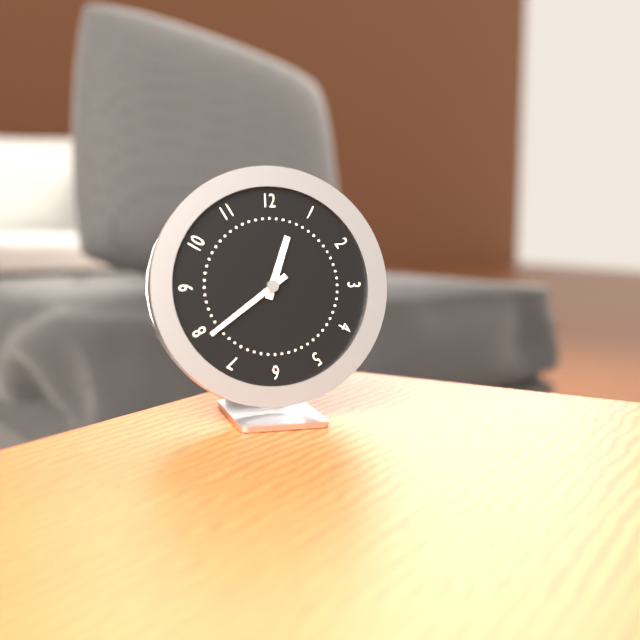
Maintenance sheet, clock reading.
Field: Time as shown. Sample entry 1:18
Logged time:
12:39
